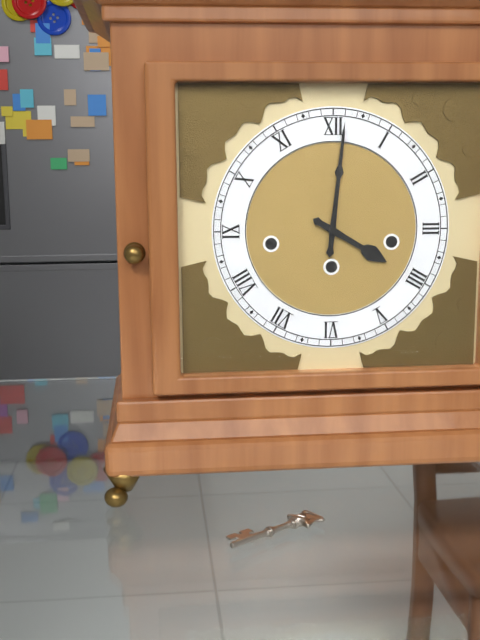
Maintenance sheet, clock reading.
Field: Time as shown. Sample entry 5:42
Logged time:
4:01
